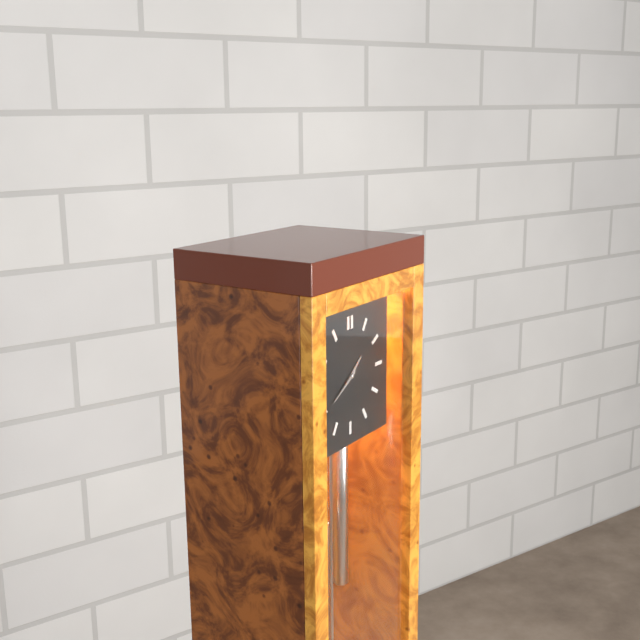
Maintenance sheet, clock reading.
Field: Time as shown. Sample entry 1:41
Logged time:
1:40
